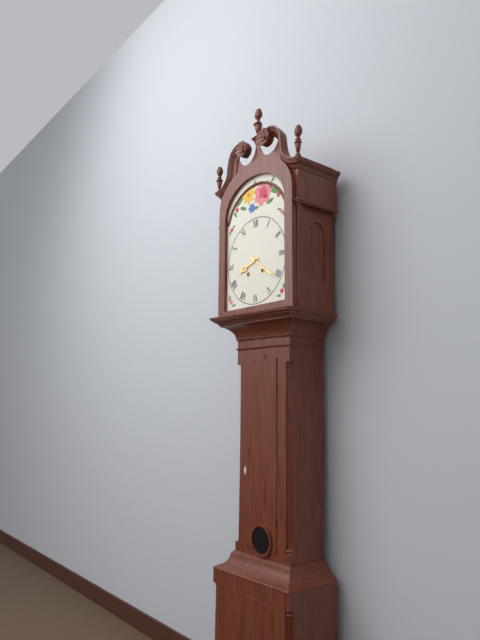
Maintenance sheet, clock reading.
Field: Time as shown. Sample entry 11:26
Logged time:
8:21
